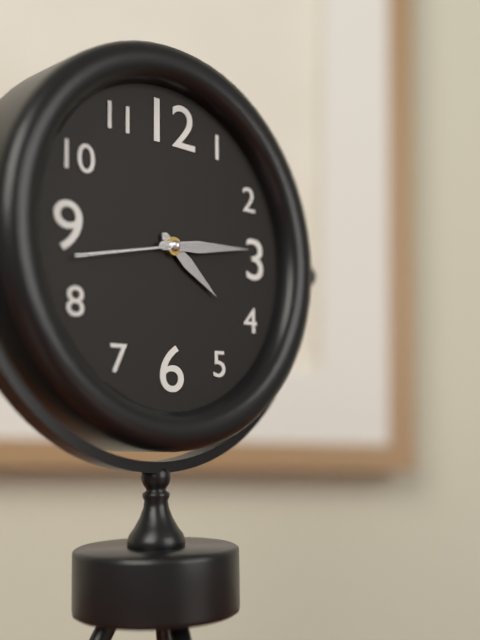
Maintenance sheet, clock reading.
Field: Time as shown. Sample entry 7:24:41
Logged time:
4:14:43
